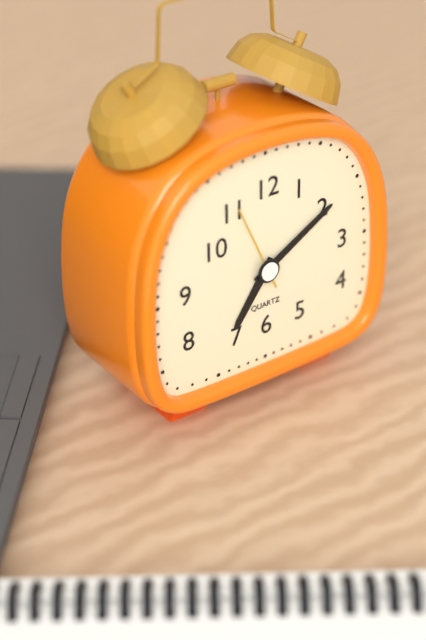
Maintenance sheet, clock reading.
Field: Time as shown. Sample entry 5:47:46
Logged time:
7:10:56
